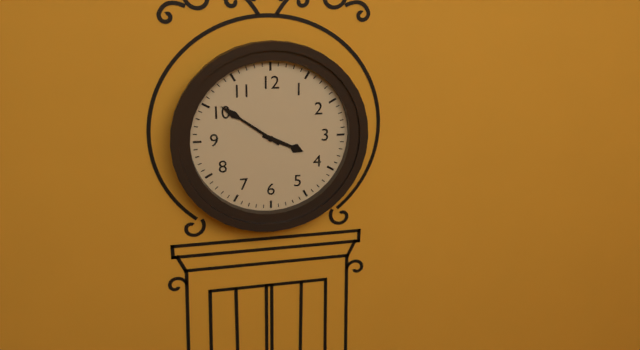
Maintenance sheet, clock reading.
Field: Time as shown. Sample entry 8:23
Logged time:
3:51
